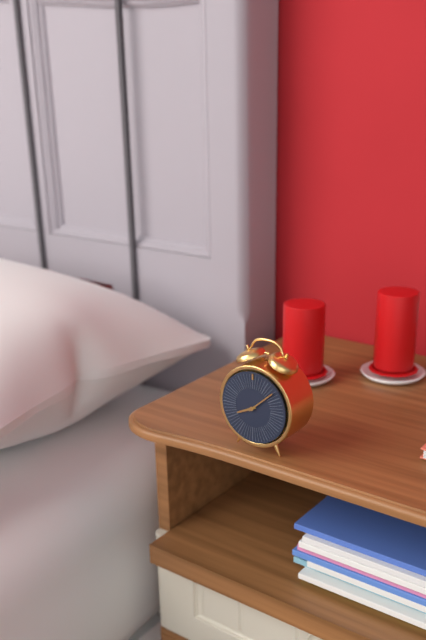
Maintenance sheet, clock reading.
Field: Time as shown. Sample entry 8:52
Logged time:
8:08
